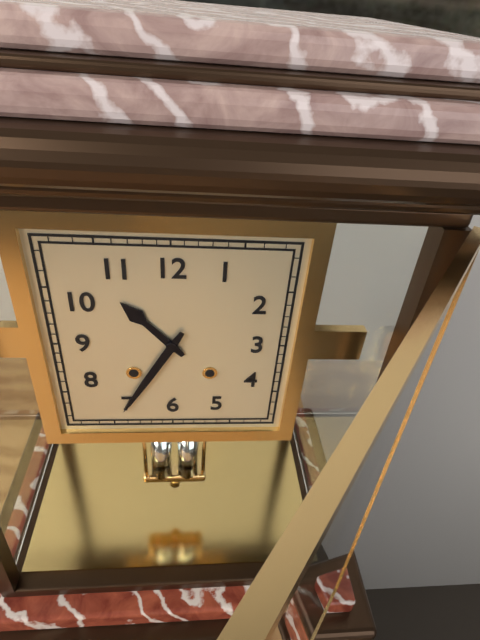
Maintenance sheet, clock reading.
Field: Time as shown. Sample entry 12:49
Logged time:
10:35
